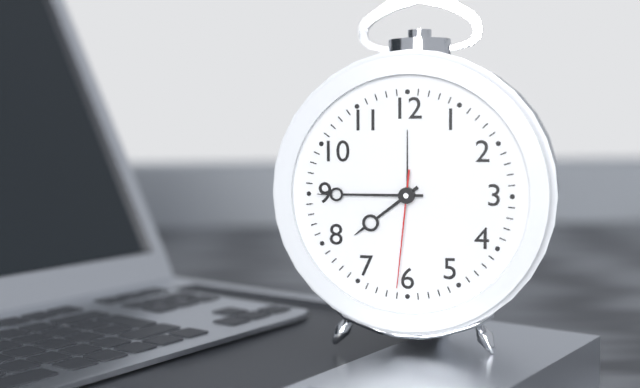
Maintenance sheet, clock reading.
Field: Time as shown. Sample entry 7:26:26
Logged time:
7:45:31
